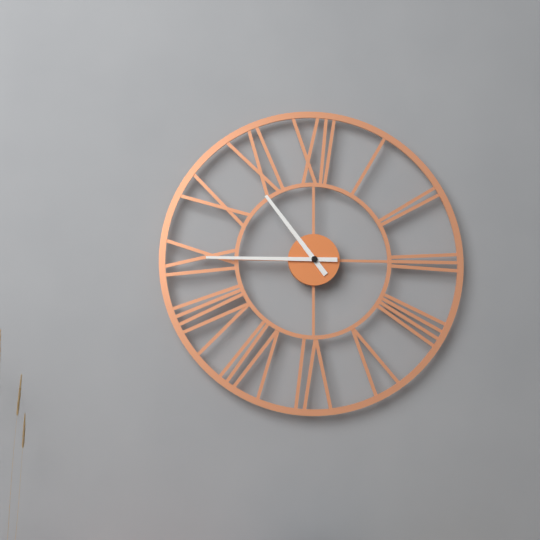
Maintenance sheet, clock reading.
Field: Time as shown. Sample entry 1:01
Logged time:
10:45
